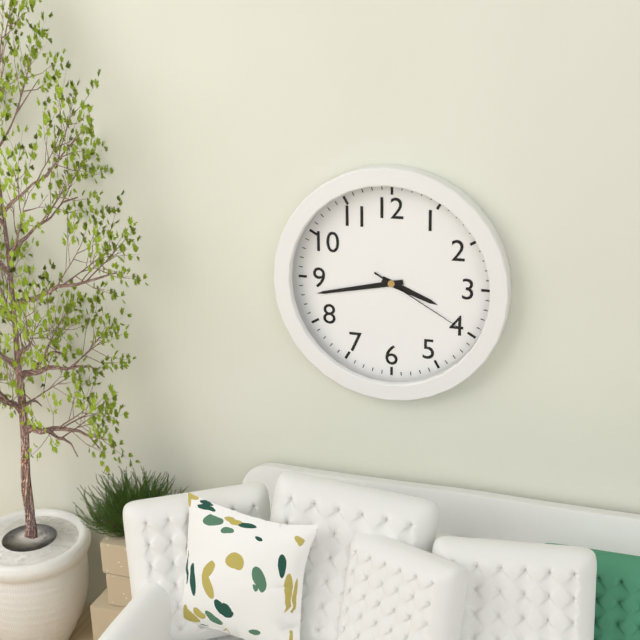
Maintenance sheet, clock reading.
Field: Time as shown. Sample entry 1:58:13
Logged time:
3:43:20
